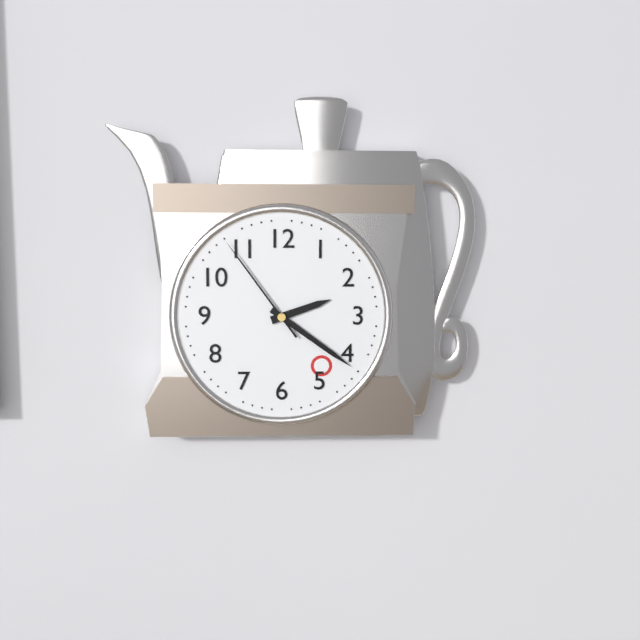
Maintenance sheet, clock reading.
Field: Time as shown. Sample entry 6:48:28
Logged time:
2:21:54
